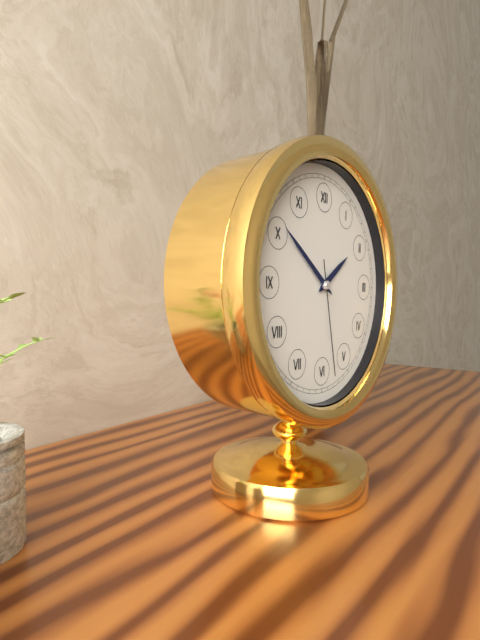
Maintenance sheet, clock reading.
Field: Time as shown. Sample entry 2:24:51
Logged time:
1:51:28
